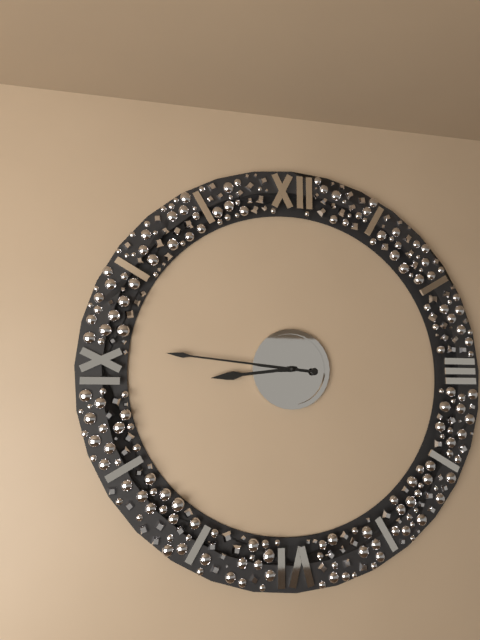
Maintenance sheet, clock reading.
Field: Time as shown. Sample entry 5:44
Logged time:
8:46
